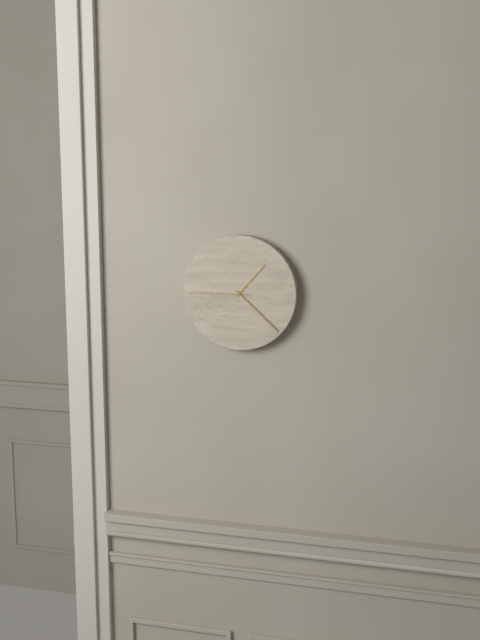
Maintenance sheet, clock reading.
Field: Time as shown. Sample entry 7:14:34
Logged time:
1:22:45
